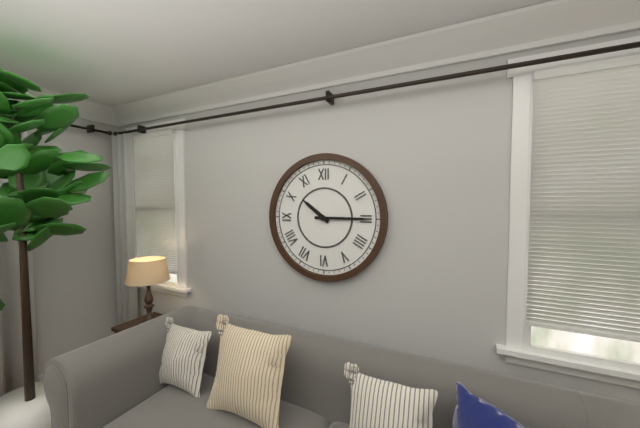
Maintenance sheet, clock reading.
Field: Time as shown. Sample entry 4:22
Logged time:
10:15
